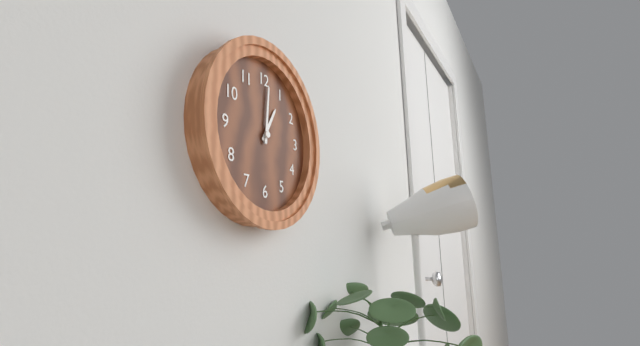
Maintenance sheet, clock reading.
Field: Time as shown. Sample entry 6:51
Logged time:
1:01
